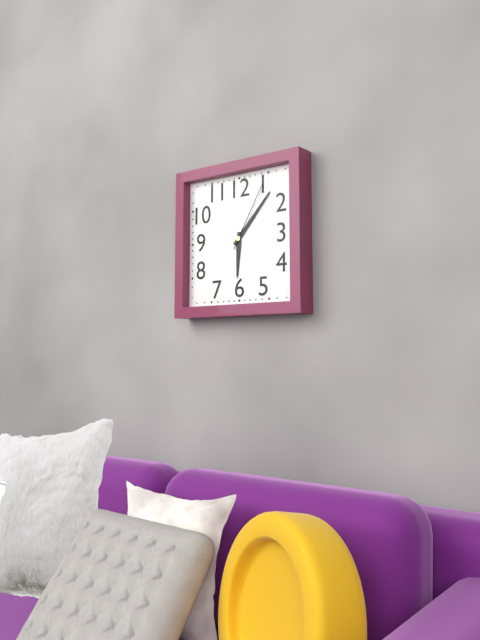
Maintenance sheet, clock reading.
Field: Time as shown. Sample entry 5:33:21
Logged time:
6:07:05
